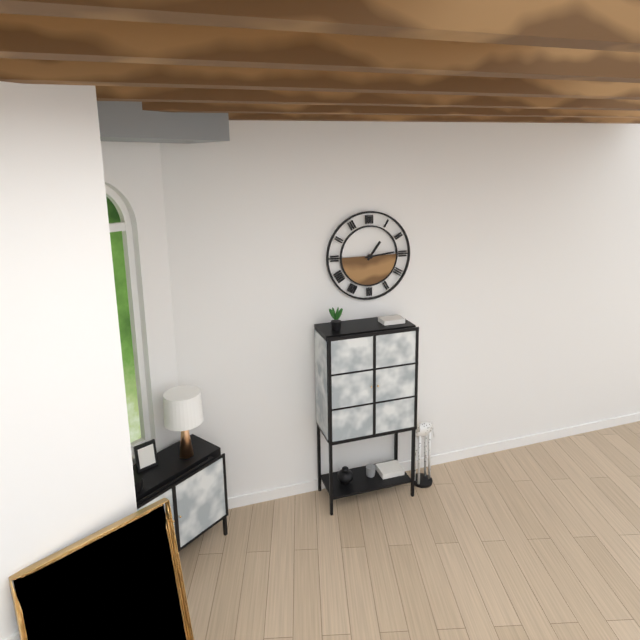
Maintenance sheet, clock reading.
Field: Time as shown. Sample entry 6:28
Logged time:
1:14
